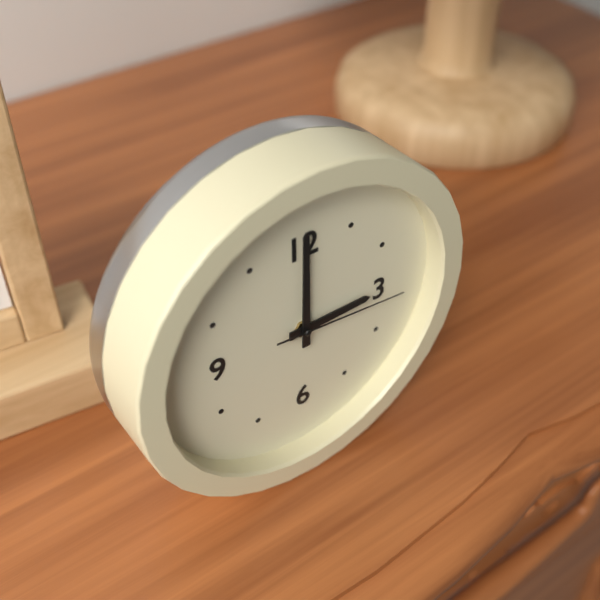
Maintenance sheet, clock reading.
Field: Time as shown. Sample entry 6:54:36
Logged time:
3:00:16
